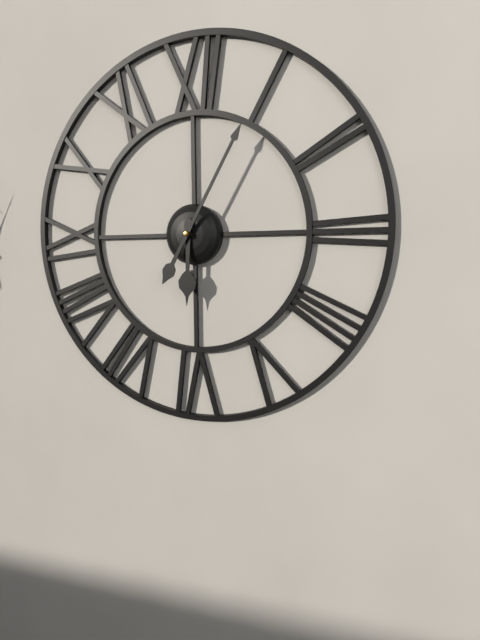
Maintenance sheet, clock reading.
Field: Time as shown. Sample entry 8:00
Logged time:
6:05
